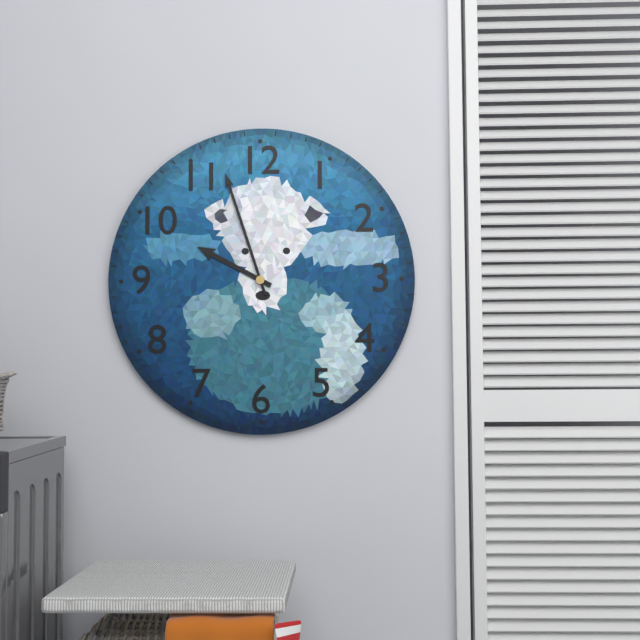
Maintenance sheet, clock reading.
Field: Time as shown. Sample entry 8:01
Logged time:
9:57
